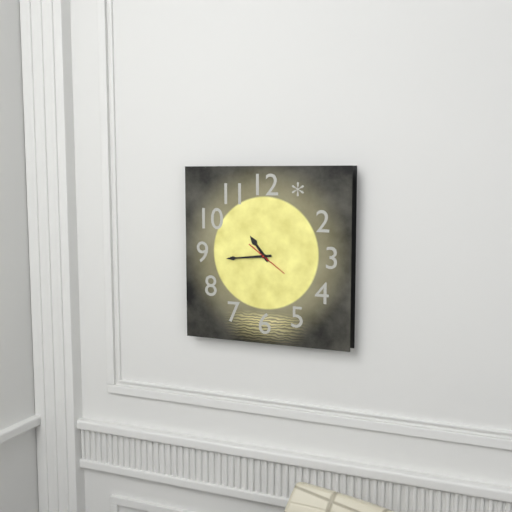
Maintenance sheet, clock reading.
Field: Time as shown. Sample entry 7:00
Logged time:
10:44
